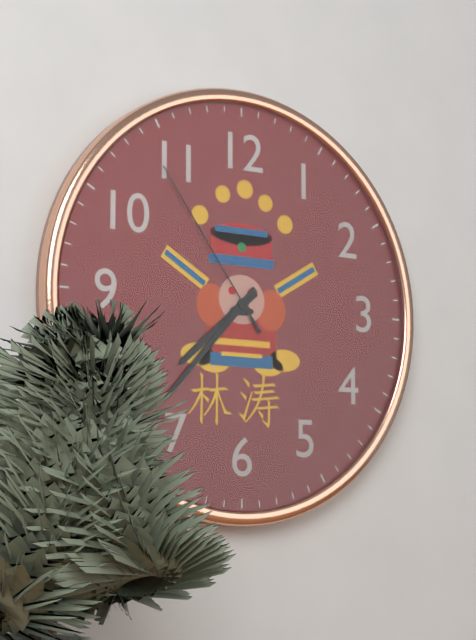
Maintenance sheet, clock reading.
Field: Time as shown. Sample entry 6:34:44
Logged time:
7:37:54
